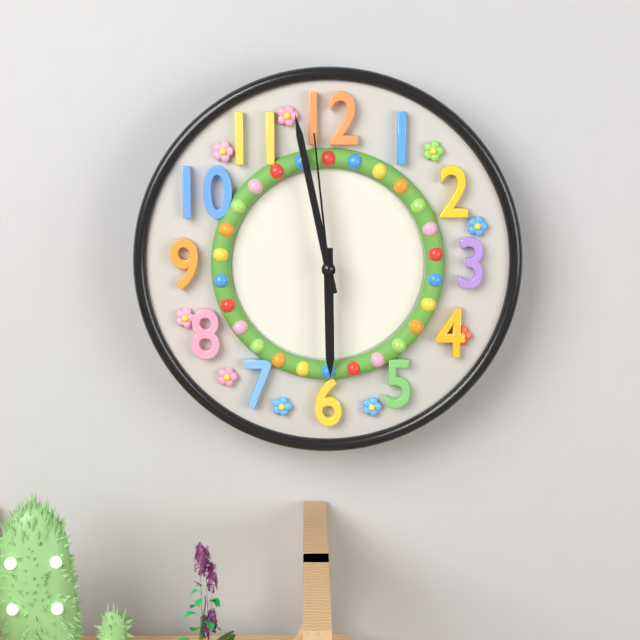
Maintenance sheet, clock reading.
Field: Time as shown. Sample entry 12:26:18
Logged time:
5:58:59
